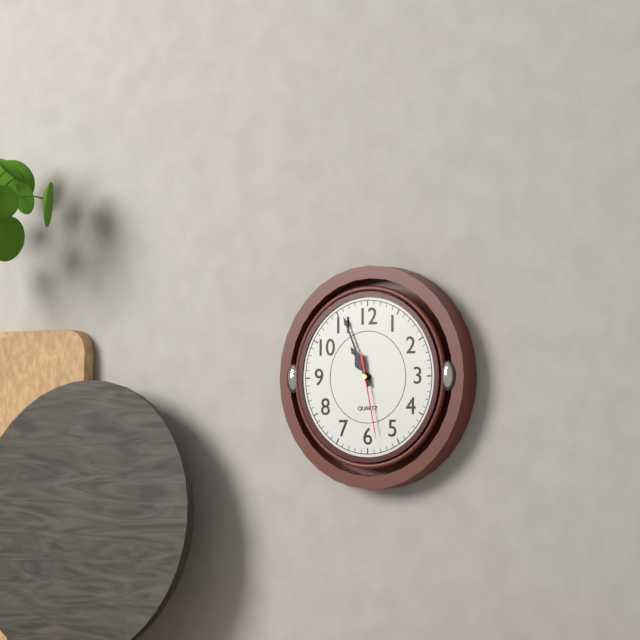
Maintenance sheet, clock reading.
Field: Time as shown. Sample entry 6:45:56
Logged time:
10:56:28
